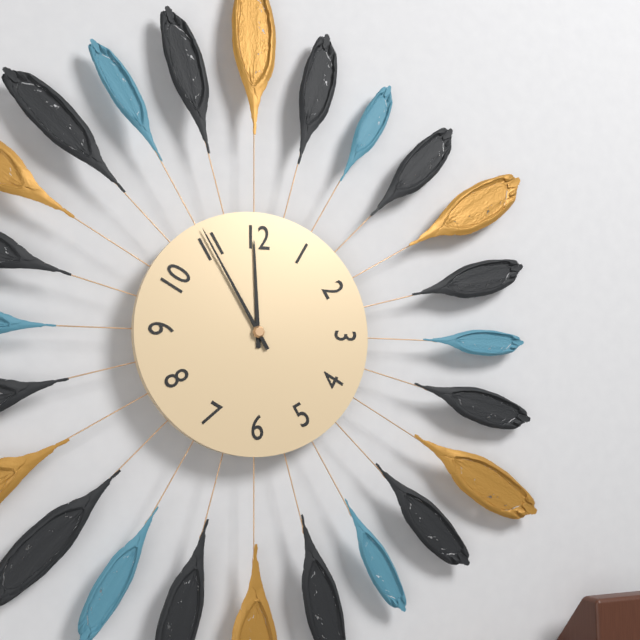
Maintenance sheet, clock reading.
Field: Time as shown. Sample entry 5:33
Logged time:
11:55
